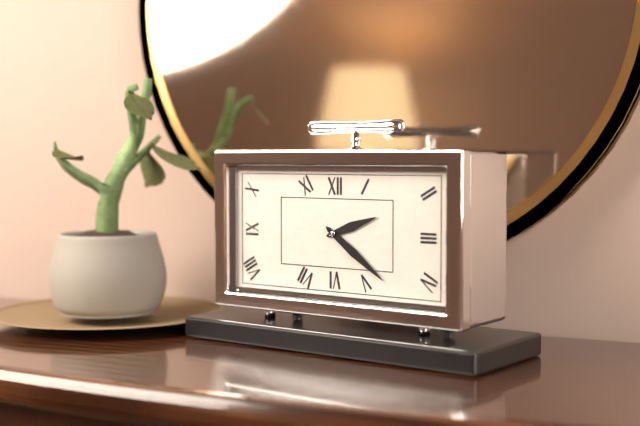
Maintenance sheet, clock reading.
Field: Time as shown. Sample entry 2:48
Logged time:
2:21
